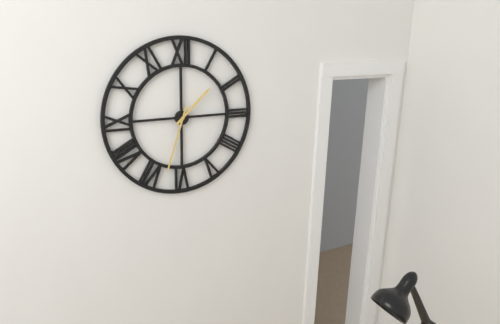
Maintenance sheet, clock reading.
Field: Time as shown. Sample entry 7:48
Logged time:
1:33
